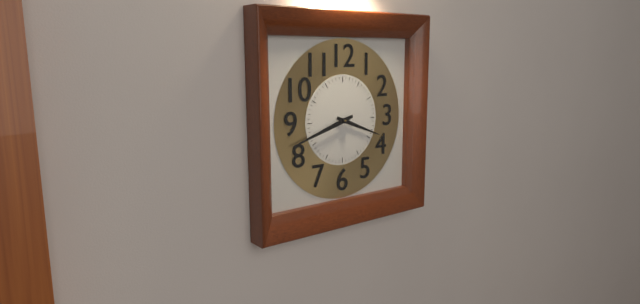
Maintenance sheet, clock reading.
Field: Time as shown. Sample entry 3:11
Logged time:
3:42
